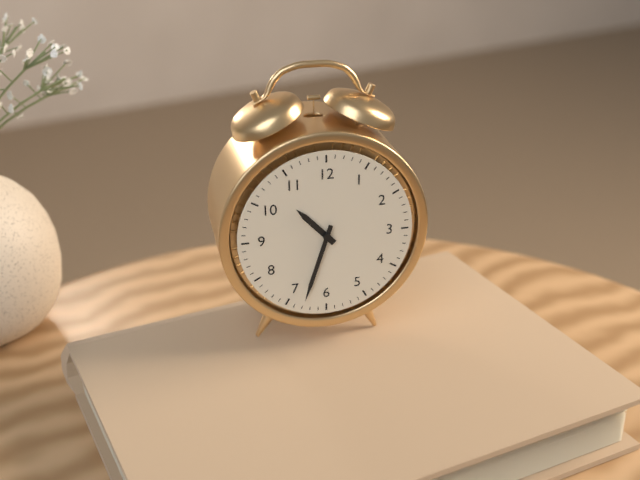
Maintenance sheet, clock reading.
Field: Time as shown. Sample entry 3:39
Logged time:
10:33
